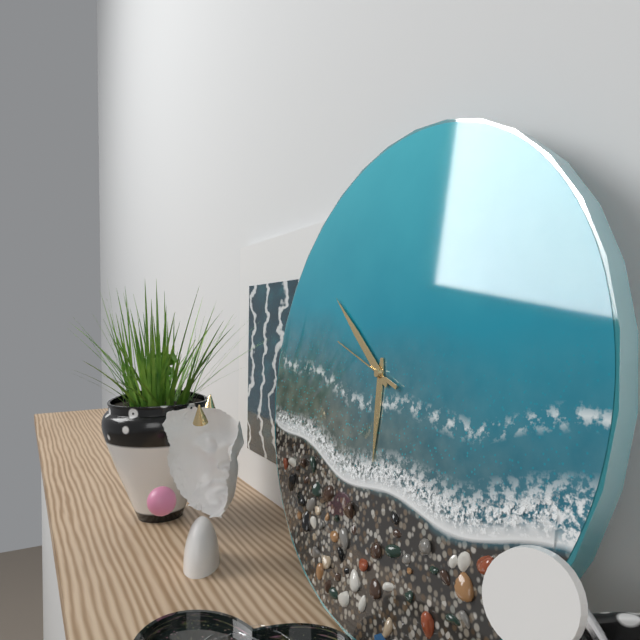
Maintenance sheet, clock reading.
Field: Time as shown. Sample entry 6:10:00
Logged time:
5:51:48
